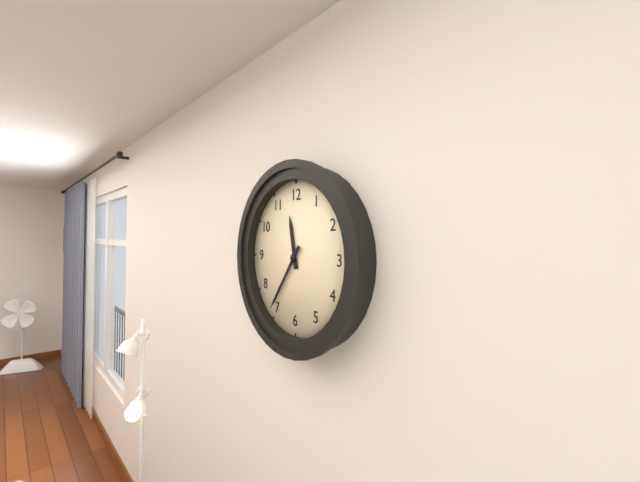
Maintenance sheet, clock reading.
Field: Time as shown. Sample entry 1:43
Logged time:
11:36
